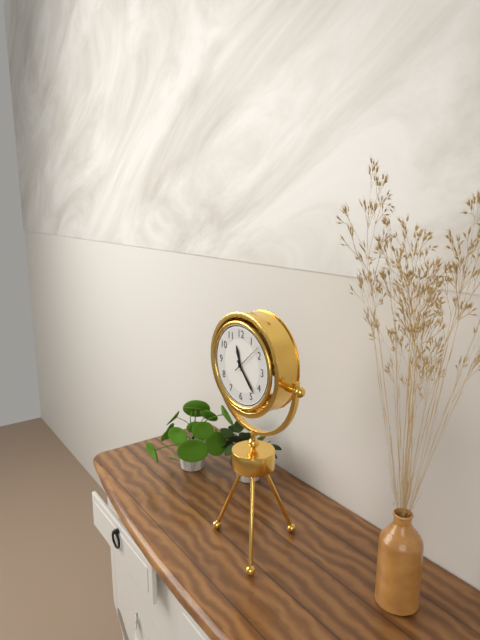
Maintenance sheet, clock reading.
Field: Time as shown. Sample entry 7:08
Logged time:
11:23
